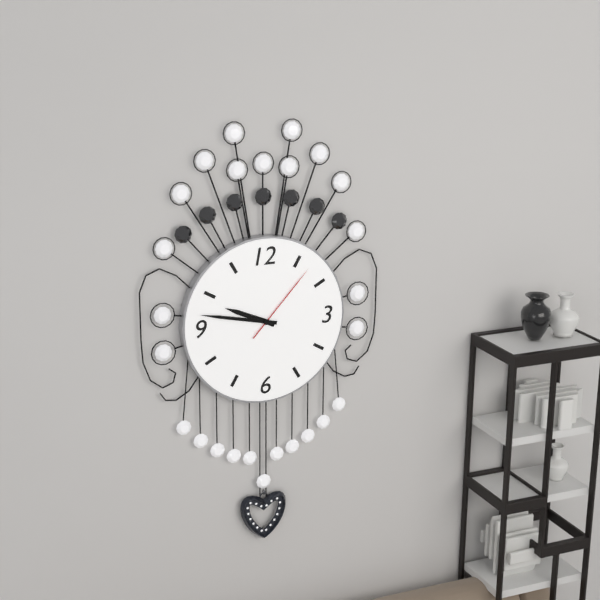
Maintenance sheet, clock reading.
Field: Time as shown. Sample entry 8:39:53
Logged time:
9:47:07
